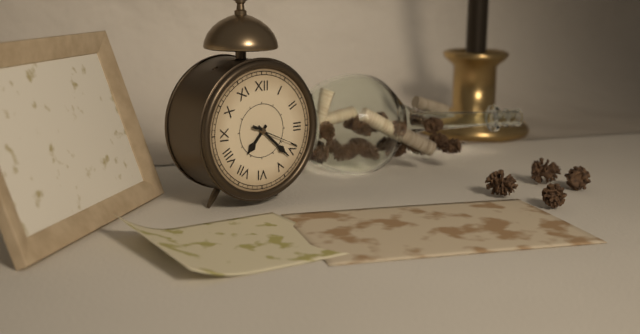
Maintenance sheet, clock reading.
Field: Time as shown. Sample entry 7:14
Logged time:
7:22
